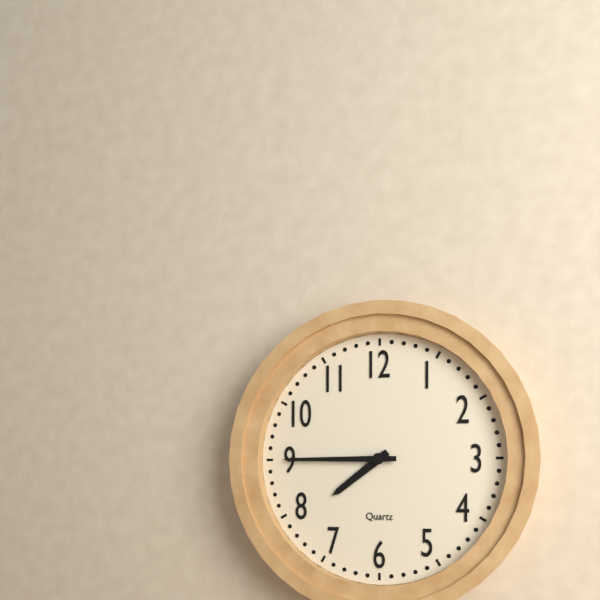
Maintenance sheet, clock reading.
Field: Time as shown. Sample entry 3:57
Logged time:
7:45
